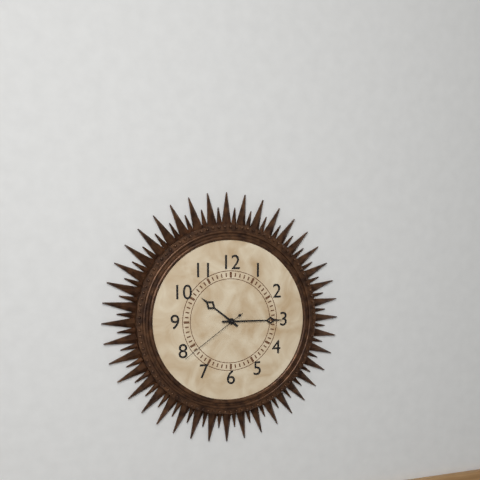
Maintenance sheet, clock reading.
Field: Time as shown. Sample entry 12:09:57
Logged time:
10:15:39
